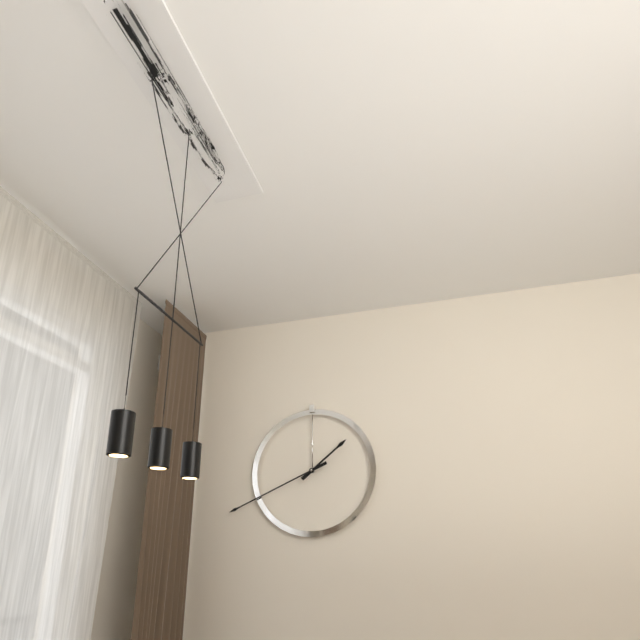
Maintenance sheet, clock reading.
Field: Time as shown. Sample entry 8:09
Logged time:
1:41
